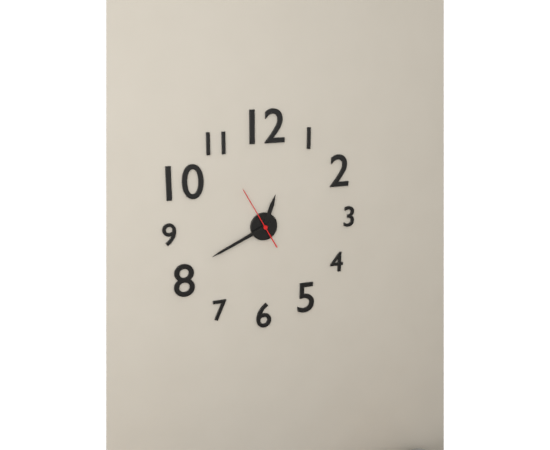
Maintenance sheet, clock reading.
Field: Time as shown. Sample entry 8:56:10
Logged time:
12:41:55
